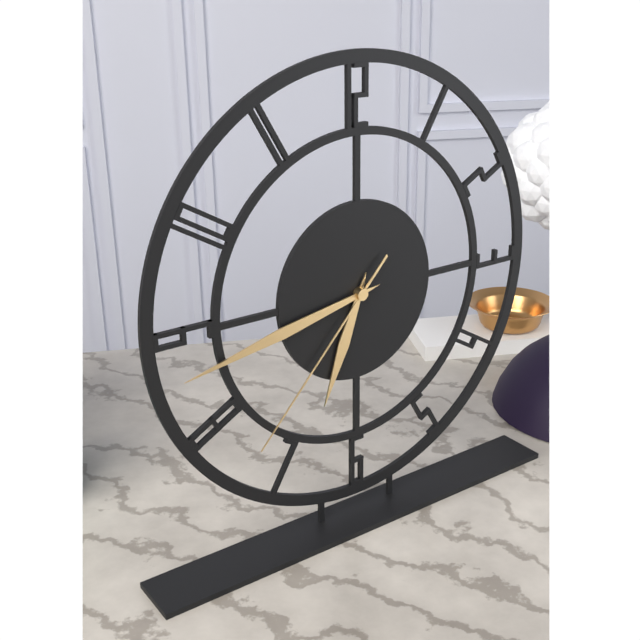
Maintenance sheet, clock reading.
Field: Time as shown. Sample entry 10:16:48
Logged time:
6:43:37
